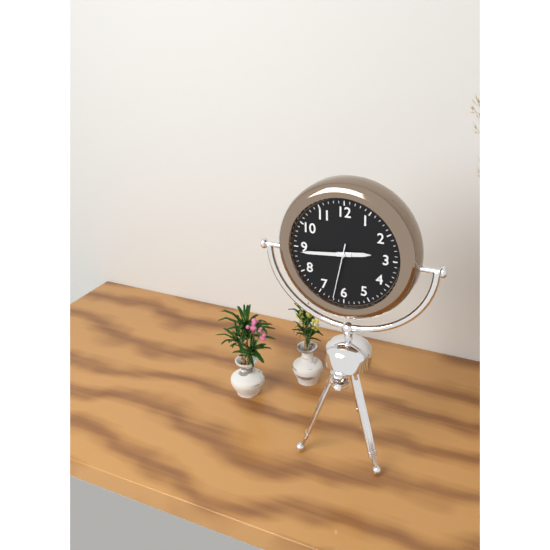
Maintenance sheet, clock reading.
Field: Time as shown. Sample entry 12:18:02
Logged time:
2:44:32
